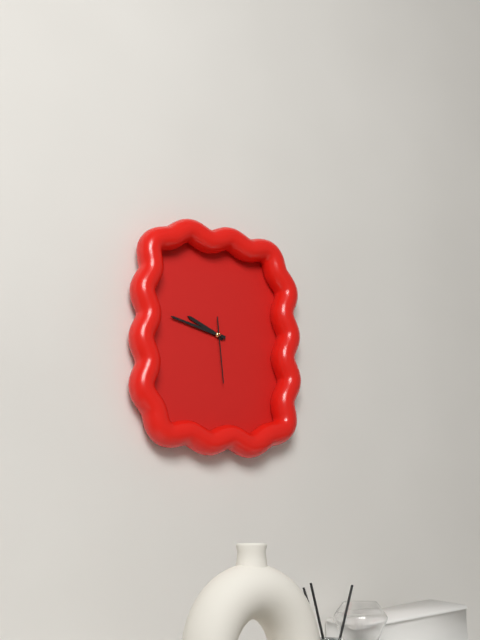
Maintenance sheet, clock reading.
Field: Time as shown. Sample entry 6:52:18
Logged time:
9:47:29
